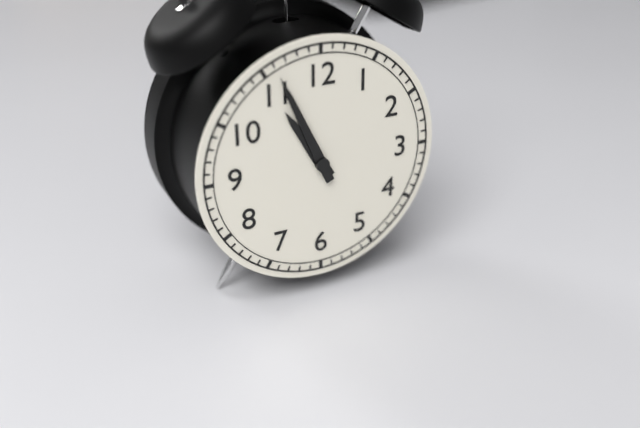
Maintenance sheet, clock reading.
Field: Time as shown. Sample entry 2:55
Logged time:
10:56
